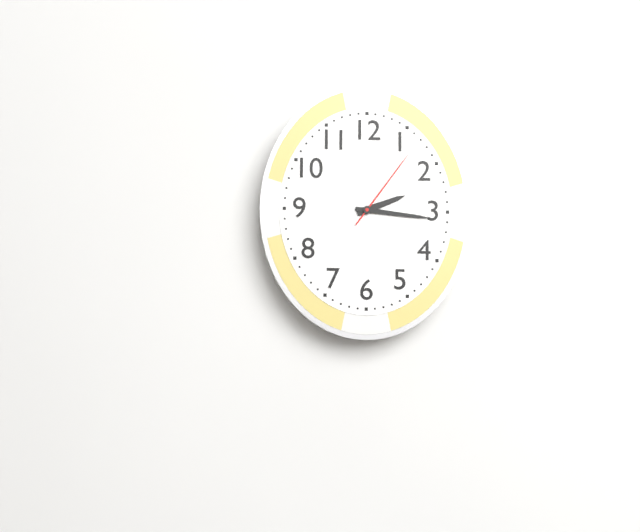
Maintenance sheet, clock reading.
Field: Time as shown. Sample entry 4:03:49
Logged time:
2:16:06
